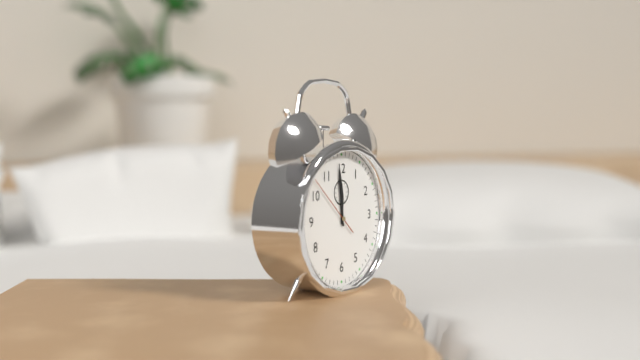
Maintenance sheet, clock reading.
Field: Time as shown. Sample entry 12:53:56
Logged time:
11:59:52
